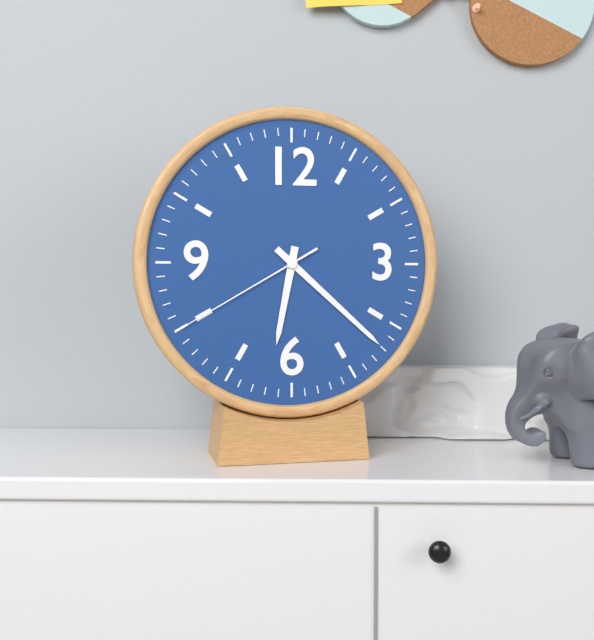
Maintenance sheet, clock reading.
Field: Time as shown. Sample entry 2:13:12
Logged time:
6:22:40
